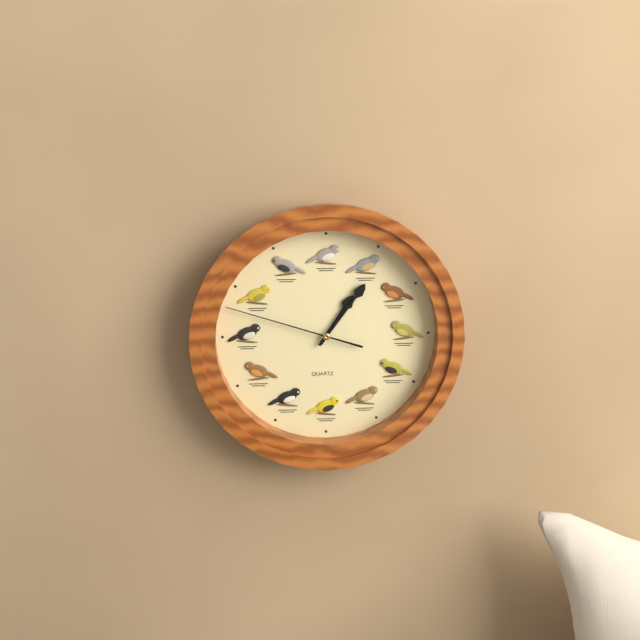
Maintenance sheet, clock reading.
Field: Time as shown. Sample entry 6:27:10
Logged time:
1:06:48
